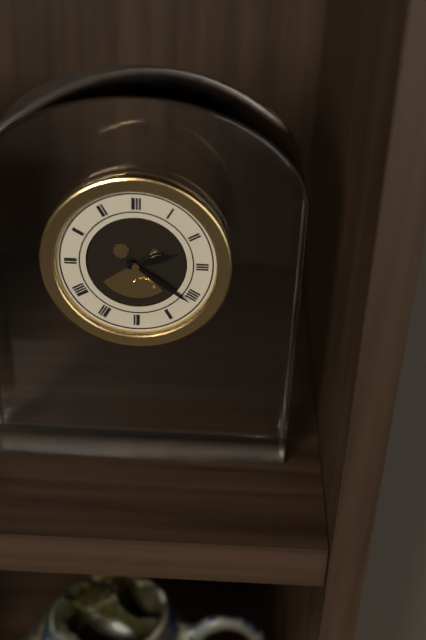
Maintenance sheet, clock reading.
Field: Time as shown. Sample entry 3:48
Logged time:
2:21
